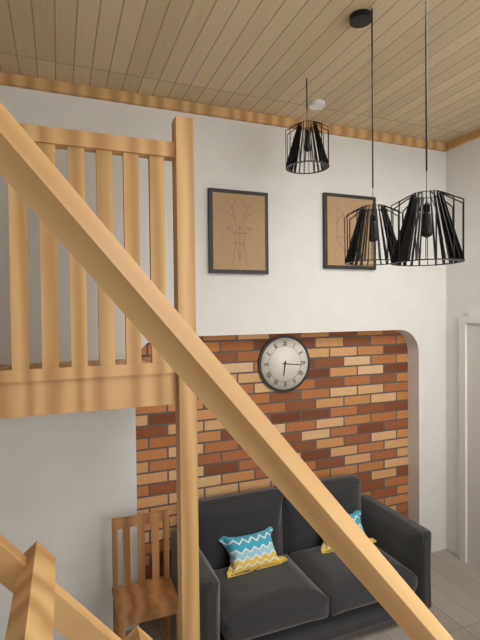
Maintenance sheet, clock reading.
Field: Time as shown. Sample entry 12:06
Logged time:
6:16
